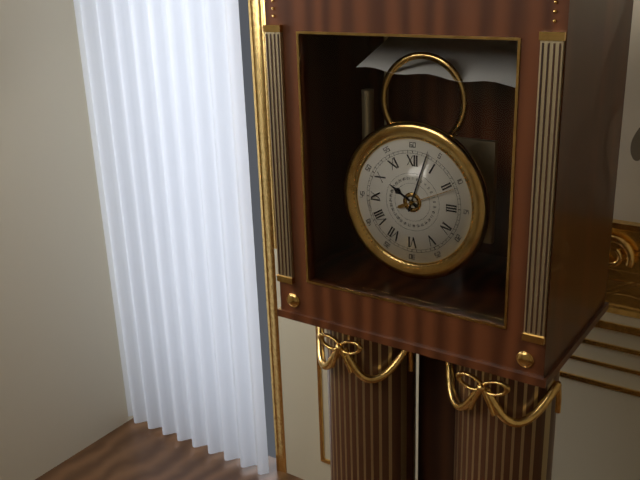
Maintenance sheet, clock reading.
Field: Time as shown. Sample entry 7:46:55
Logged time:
10:03:11
